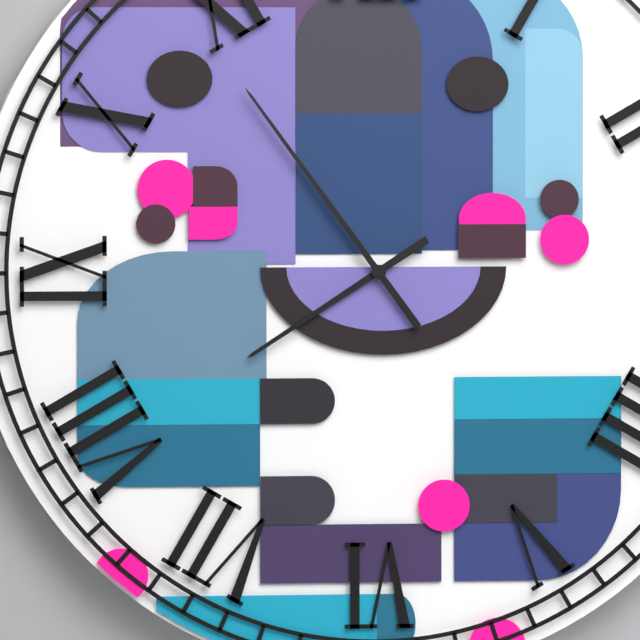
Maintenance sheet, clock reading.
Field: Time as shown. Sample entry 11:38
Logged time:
7:54
